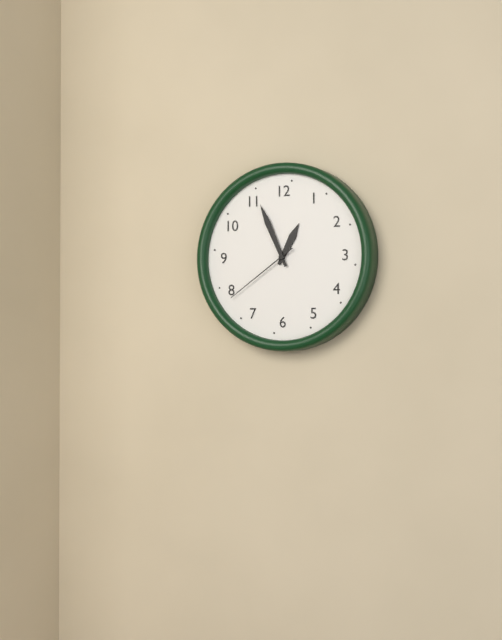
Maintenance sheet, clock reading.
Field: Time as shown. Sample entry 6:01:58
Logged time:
12:56:39
